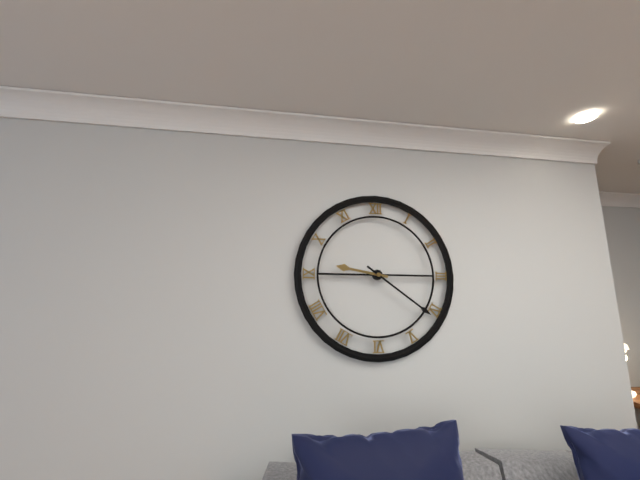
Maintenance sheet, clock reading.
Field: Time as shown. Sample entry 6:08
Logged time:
9:21
